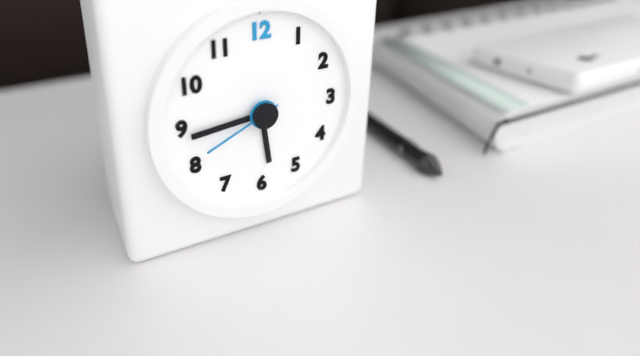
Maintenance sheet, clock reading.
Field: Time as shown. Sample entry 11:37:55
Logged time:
5:44:41
